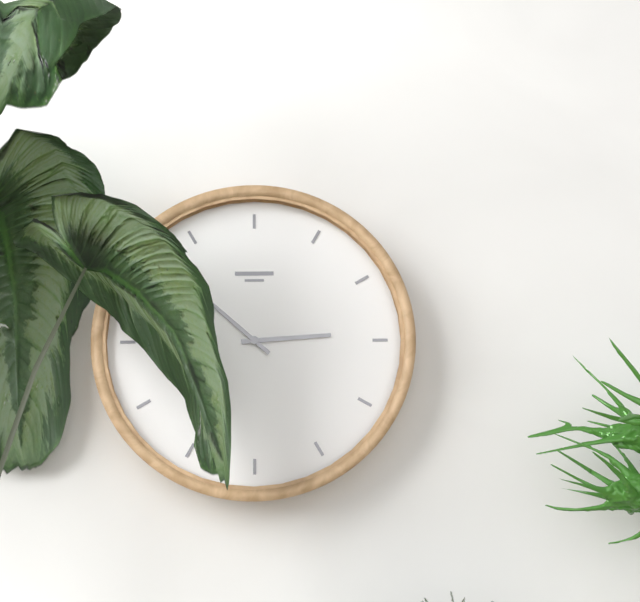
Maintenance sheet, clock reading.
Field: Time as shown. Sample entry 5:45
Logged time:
2:52
